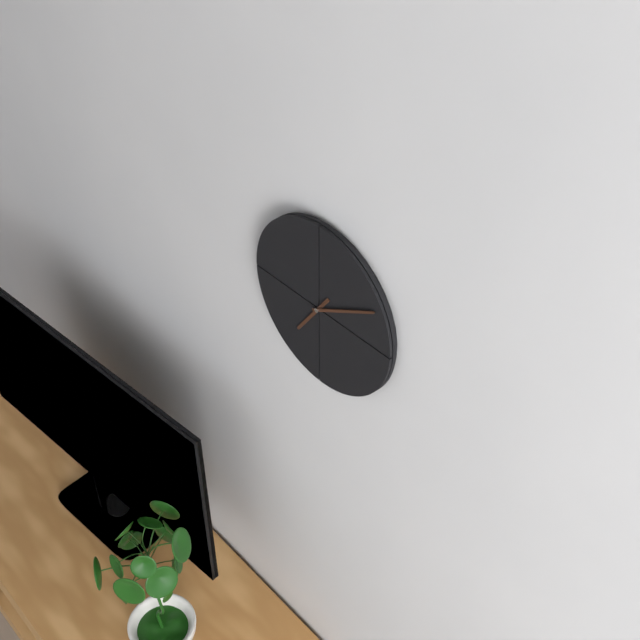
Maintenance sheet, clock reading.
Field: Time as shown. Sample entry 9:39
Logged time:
7:10
